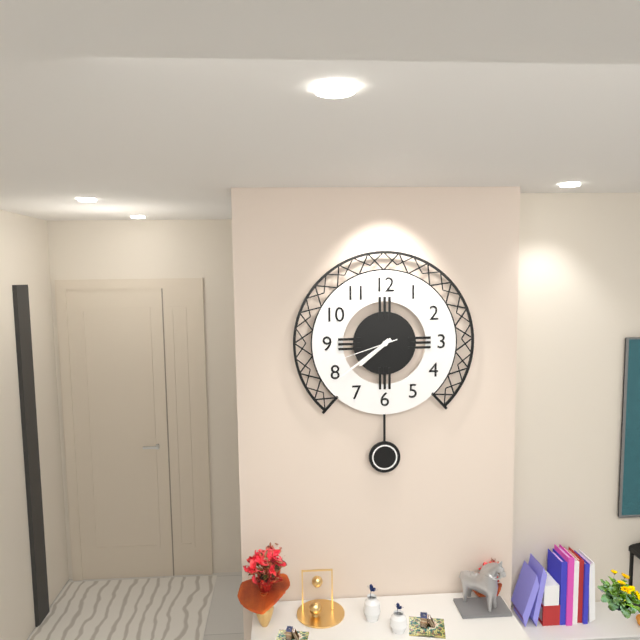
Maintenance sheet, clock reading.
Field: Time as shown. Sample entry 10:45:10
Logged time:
7:39:42
